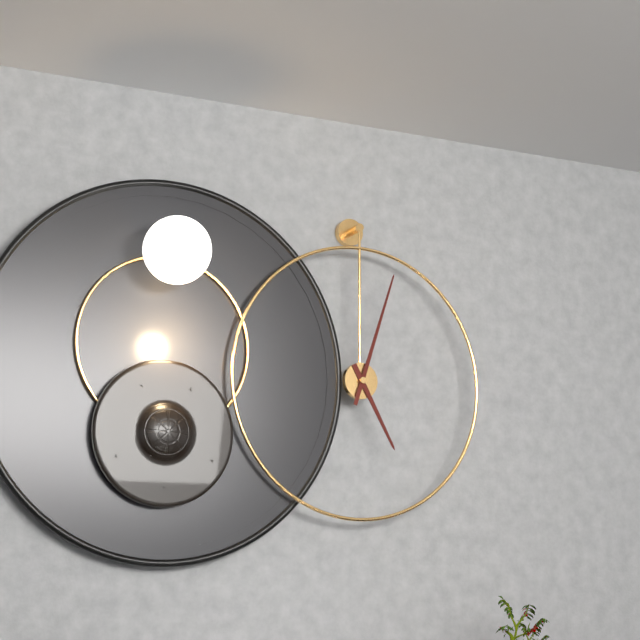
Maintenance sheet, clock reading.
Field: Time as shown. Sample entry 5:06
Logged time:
5:03
